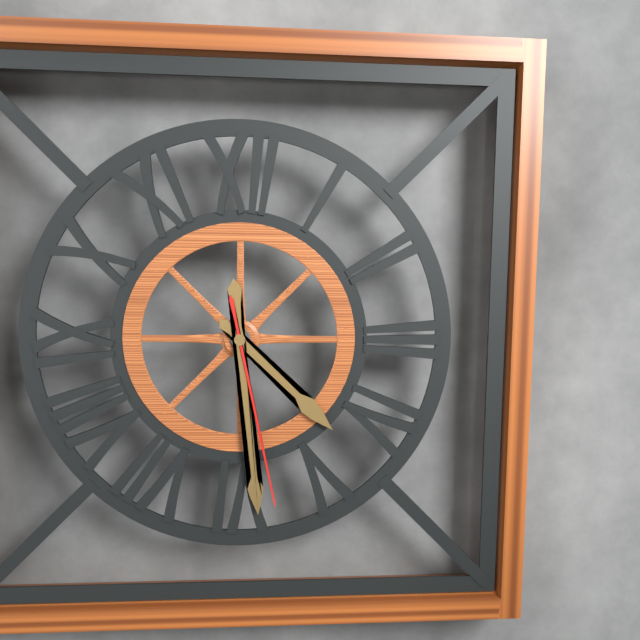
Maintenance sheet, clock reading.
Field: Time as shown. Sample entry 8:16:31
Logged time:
4:29:28
